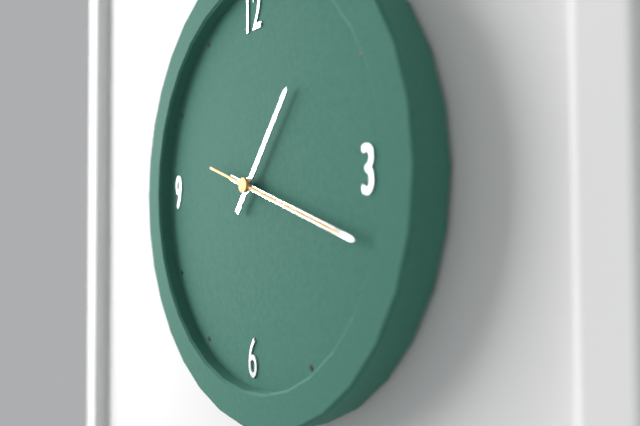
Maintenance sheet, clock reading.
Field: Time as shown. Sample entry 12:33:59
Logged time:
1:18:18
